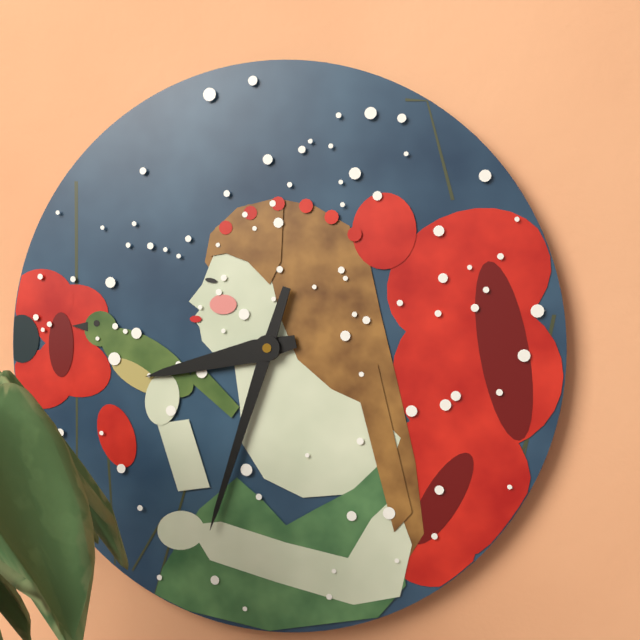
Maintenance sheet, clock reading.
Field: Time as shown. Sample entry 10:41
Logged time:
8:33
